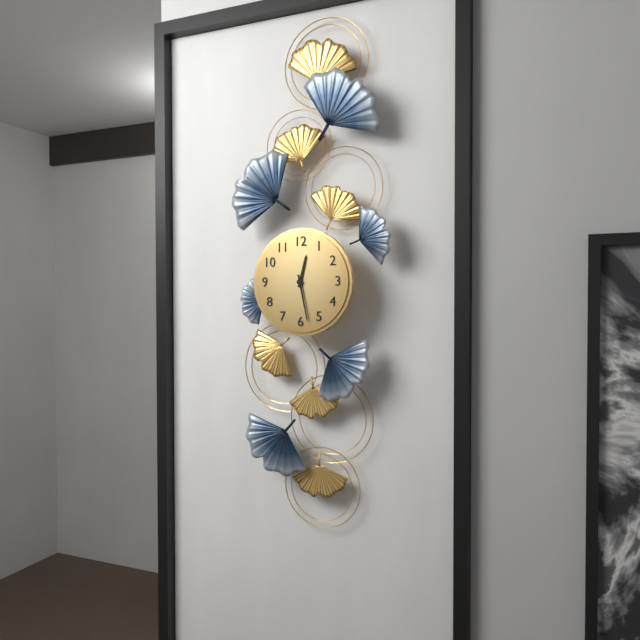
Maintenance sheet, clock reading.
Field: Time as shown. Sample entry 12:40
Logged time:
12:28
